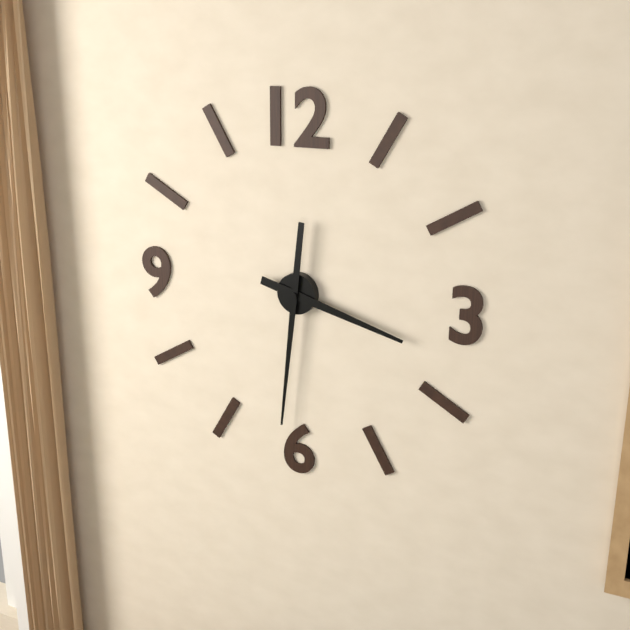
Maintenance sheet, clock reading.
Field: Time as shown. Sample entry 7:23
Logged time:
3:31
